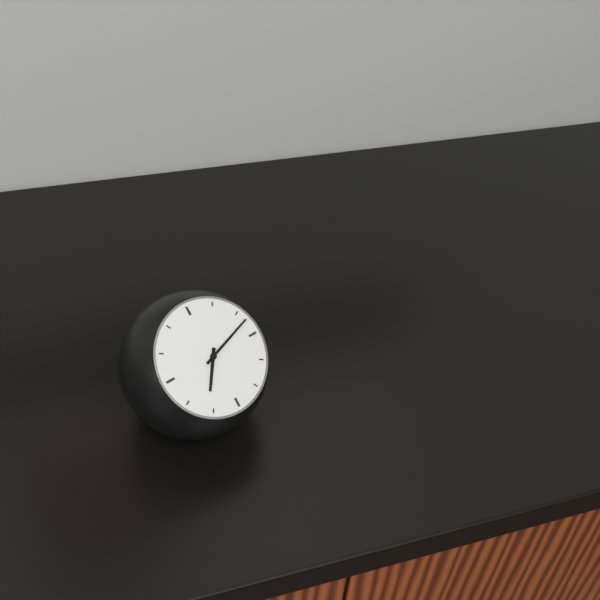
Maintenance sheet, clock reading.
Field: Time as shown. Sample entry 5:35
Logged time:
7:12
